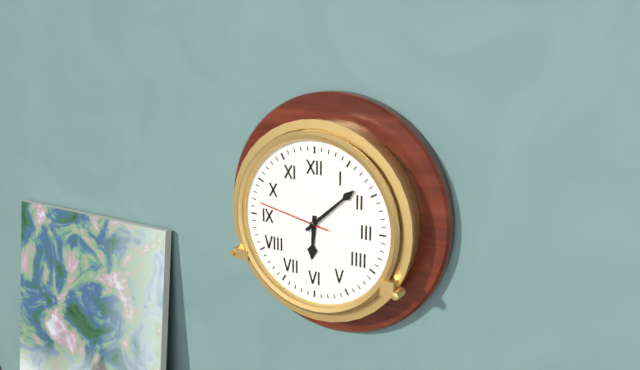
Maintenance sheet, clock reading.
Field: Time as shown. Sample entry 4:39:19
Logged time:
6:08:47
